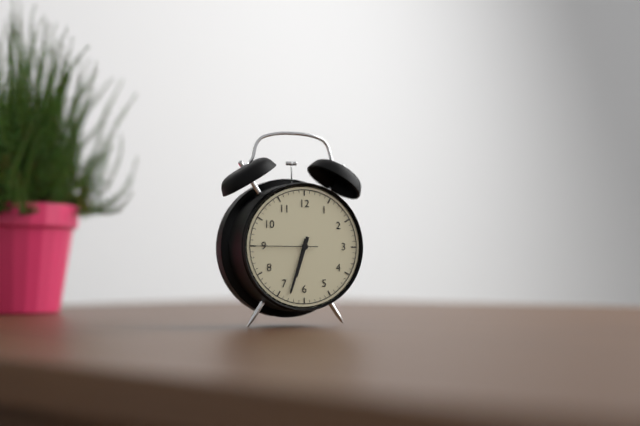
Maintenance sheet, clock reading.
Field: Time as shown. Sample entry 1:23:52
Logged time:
6:33:45
